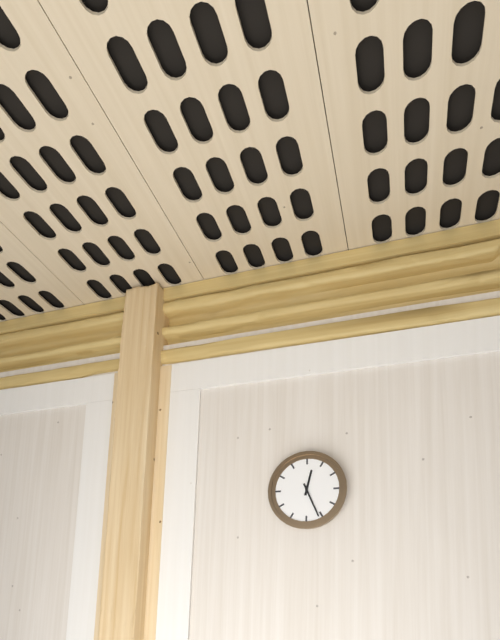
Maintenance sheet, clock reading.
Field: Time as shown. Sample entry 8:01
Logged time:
12:26
